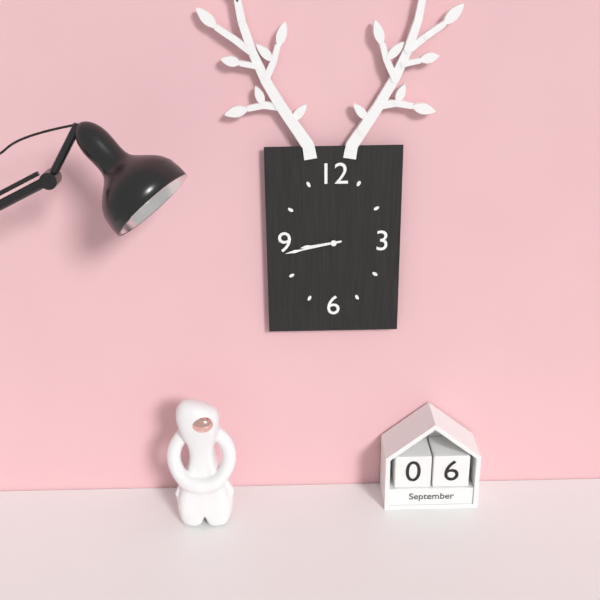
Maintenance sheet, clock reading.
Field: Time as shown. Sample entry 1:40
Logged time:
8:43
